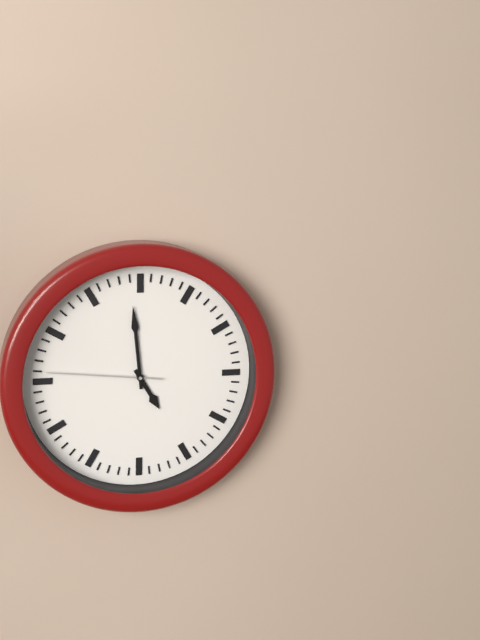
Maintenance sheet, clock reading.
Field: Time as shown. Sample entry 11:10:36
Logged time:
4:59:46
